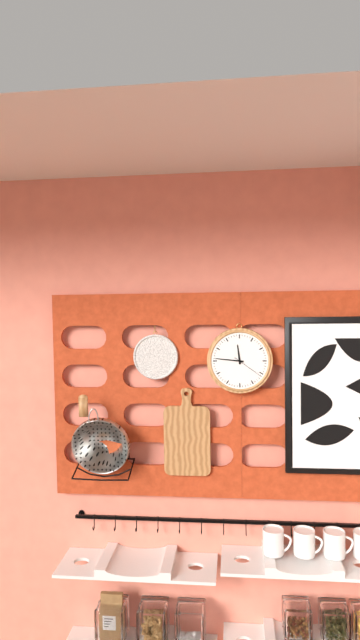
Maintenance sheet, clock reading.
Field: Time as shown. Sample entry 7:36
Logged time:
11:46
